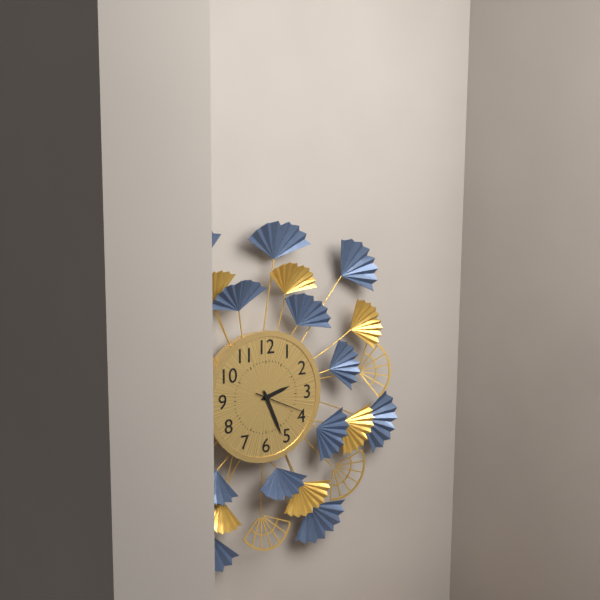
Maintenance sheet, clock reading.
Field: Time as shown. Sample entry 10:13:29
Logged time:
2:26:19
